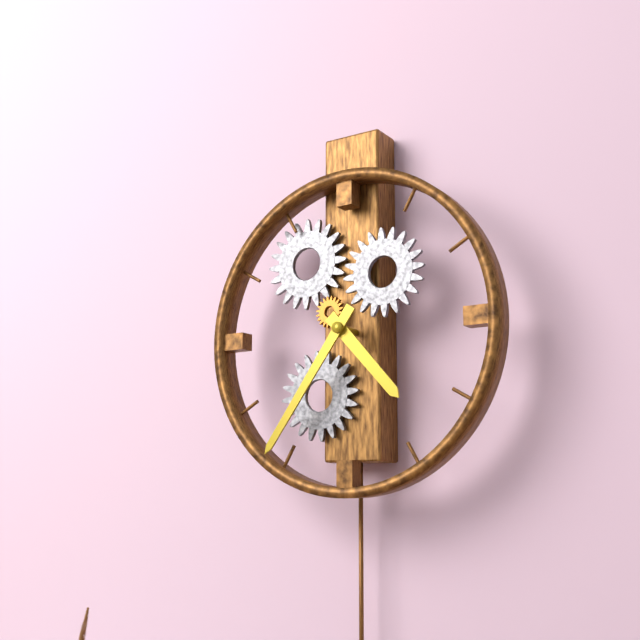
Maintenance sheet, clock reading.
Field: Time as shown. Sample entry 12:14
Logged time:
4:36
